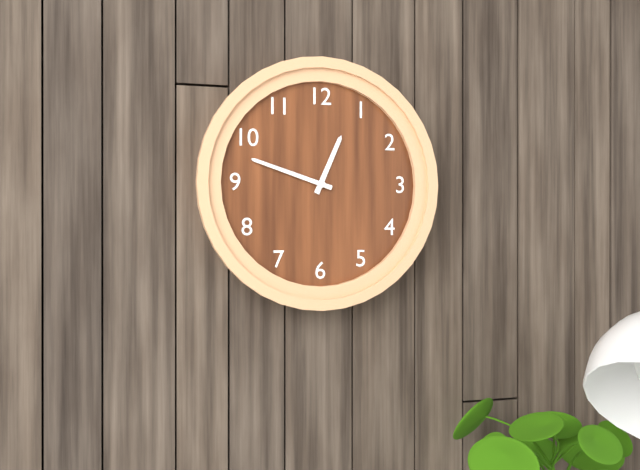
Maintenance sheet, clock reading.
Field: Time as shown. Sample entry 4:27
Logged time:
12:48
